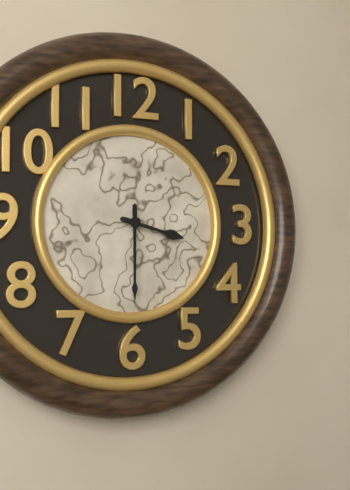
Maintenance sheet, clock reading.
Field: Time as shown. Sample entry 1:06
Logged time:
3:30
